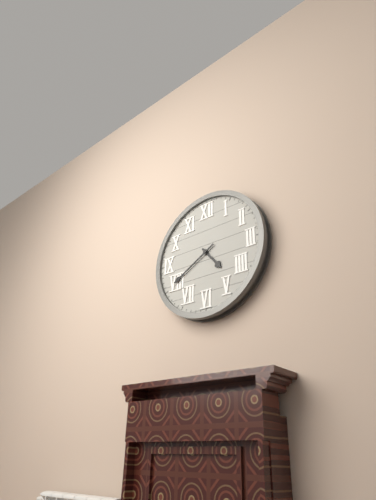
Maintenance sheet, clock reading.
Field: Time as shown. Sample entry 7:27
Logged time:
4:40
